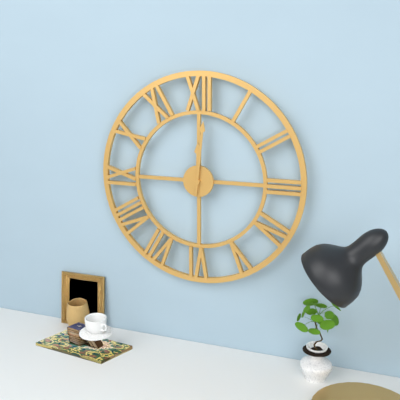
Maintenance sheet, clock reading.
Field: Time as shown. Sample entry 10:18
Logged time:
12:01
